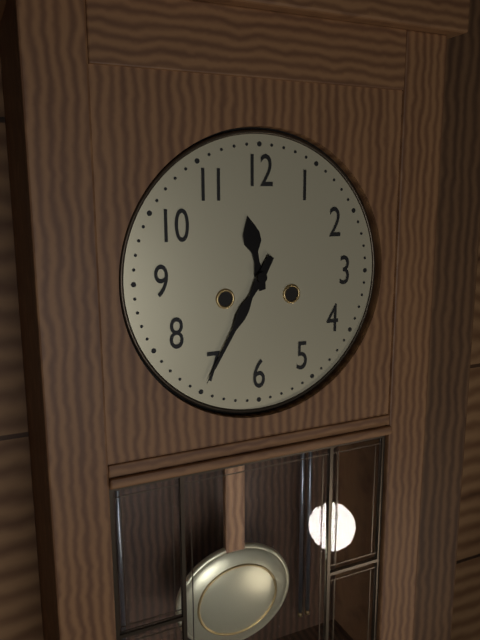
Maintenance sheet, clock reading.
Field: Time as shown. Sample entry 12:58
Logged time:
11:35
